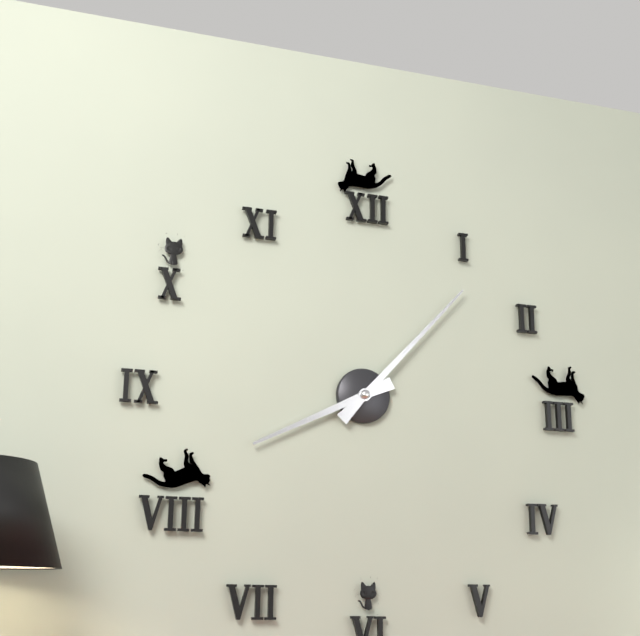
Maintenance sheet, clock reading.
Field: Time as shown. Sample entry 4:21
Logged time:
8:07
